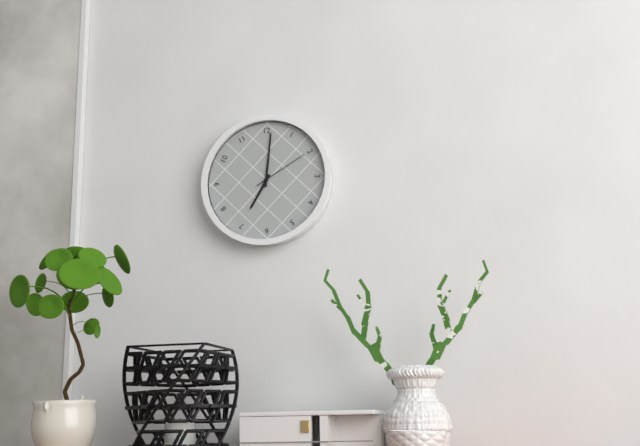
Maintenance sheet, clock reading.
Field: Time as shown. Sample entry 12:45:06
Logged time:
7:01:10
